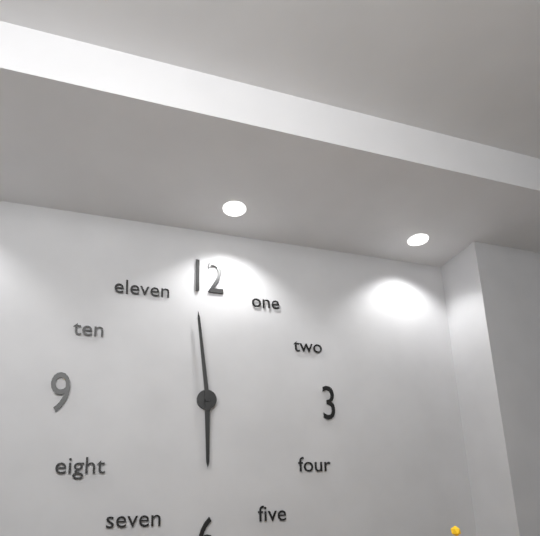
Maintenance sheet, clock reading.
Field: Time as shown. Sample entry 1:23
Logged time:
5:59
